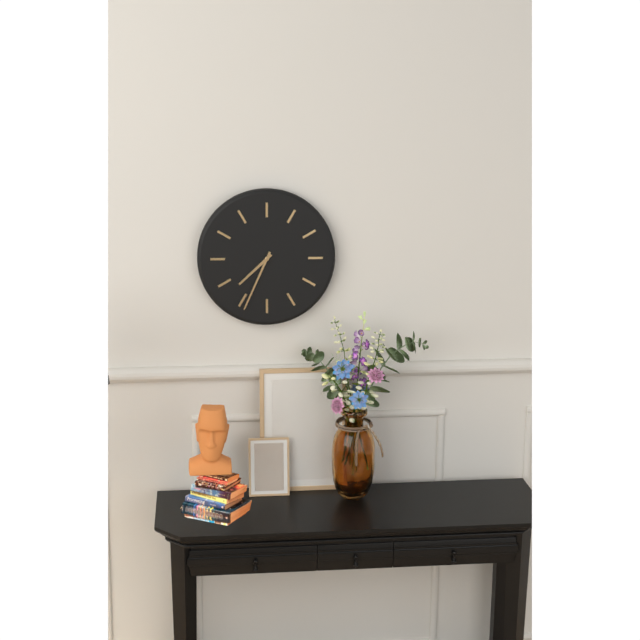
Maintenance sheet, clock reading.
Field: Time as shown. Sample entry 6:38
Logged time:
7:34
